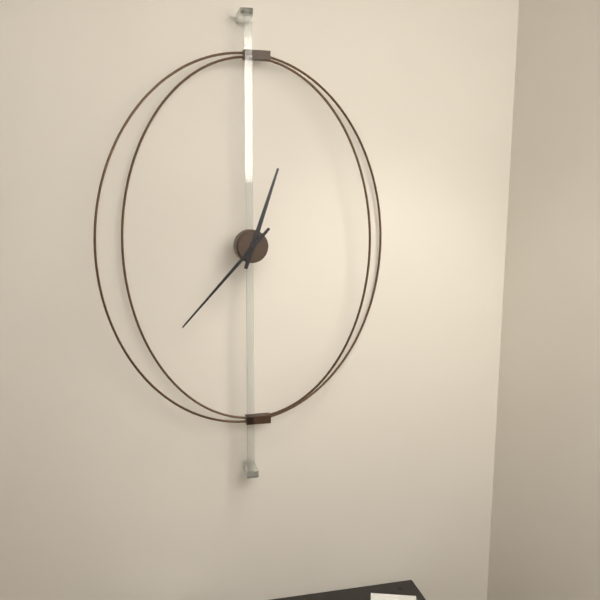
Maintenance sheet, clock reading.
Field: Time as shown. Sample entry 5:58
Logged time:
12:37
